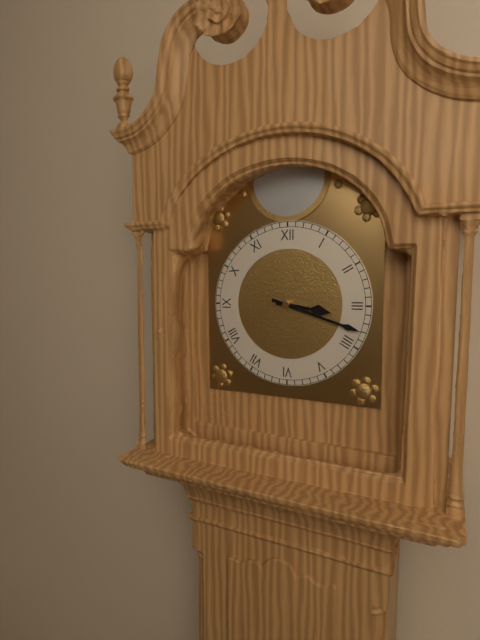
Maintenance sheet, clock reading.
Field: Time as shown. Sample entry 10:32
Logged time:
3:18
